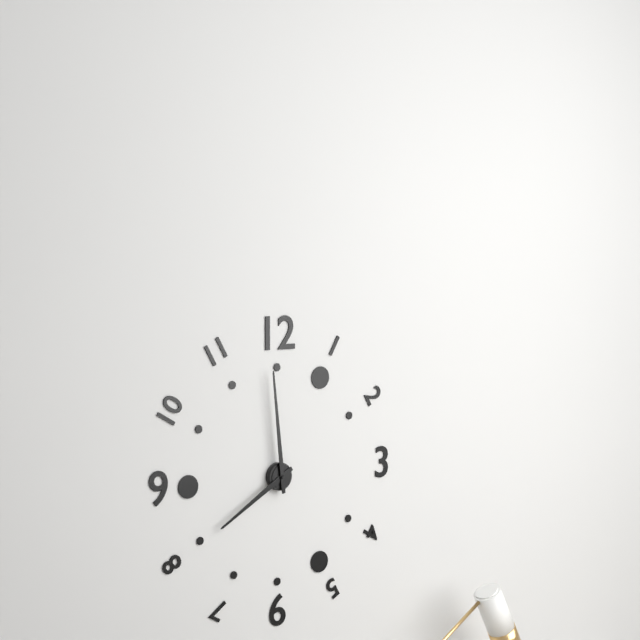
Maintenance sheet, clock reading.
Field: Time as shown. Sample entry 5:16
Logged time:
7:59
